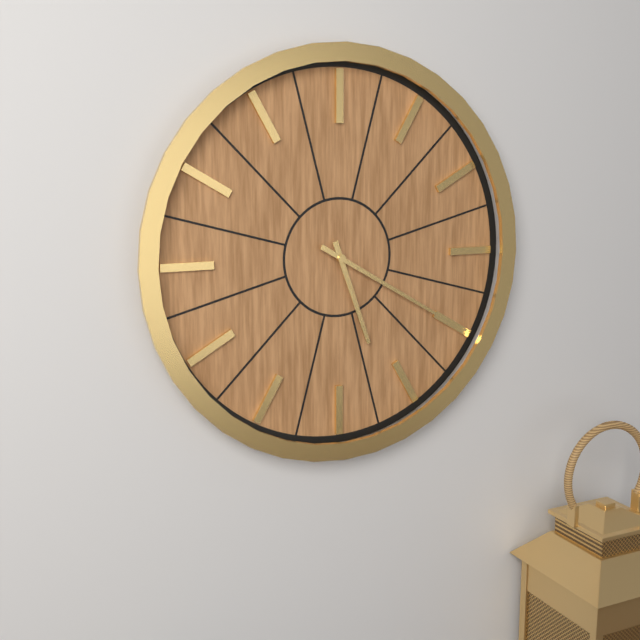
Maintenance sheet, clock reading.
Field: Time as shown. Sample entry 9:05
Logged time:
5:20
